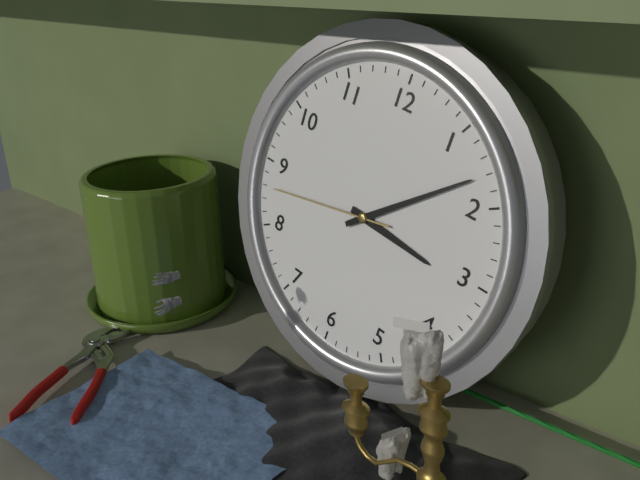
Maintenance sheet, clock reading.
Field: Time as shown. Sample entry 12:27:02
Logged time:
3:08:43
